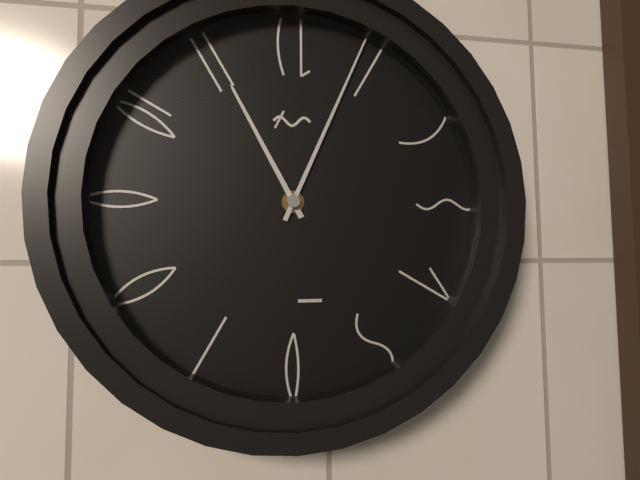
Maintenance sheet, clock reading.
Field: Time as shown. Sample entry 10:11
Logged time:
11:04
